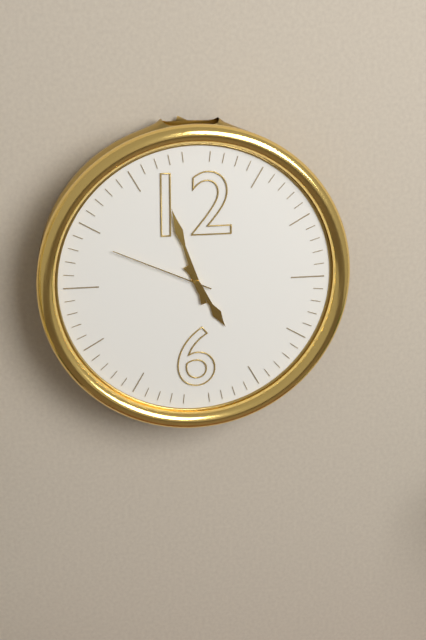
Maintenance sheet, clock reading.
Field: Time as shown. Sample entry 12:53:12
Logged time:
4:57:49
